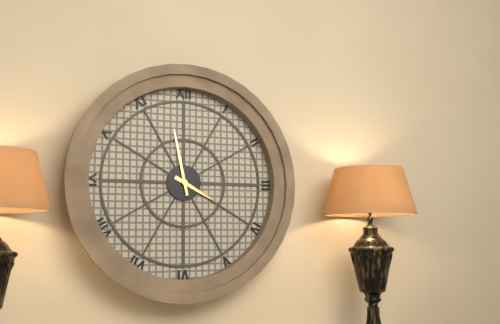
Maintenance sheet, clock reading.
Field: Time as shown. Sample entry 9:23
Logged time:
3:58
